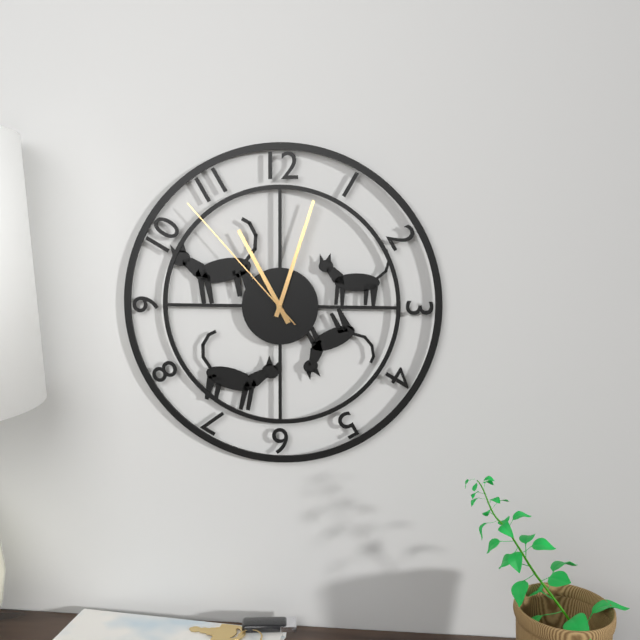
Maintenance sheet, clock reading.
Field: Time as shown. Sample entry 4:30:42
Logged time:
11:03:53
